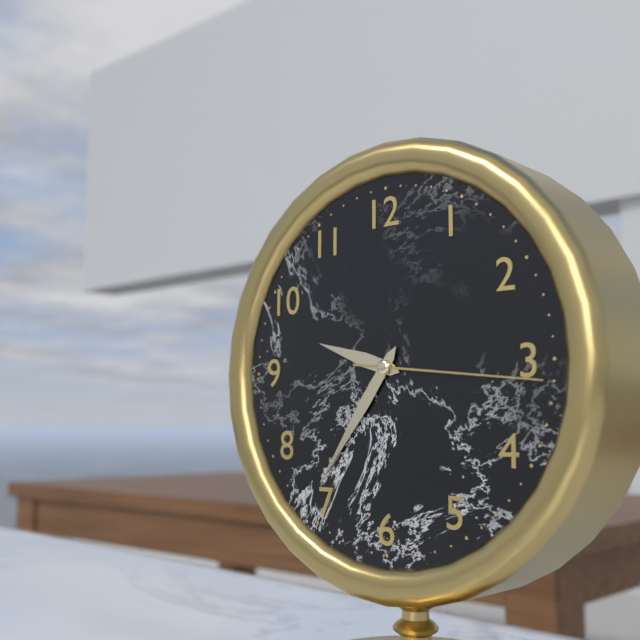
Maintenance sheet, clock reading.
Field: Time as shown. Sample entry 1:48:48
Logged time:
9:36:16
